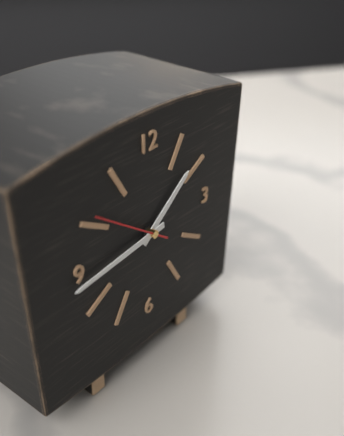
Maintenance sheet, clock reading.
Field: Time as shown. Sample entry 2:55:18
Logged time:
1:44:51
